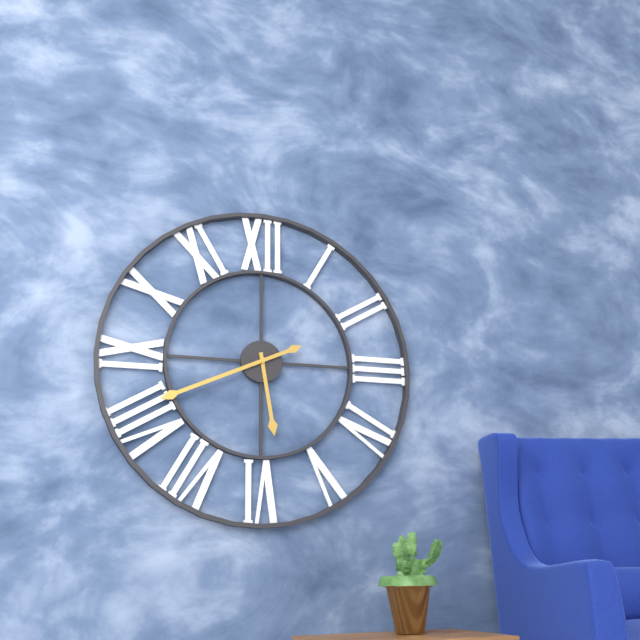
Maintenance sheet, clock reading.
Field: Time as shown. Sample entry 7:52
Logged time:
5:41
